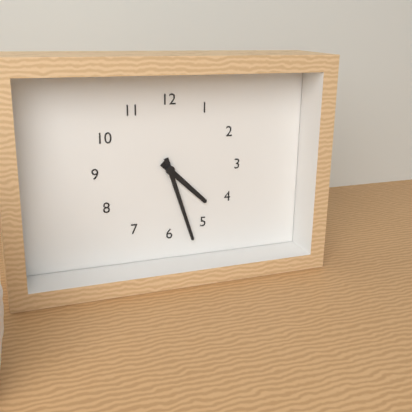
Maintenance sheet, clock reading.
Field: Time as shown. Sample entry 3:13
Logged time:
4:27
